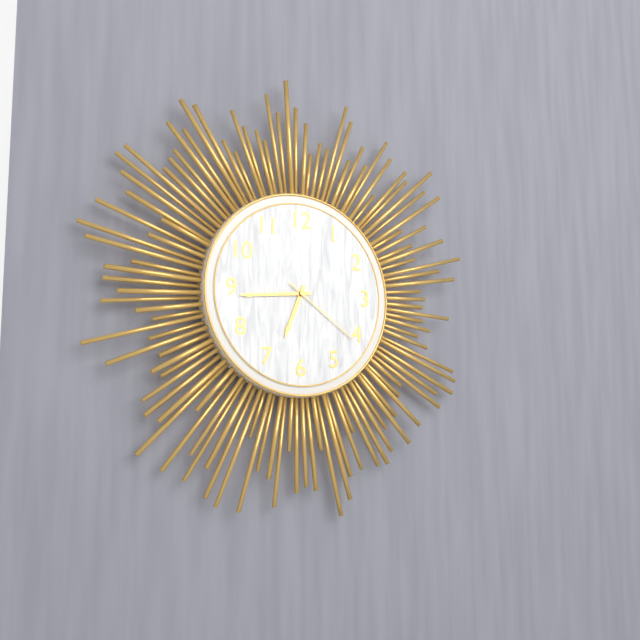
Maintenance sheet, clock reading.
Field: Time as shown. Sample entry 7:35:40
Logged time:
6:44:21
